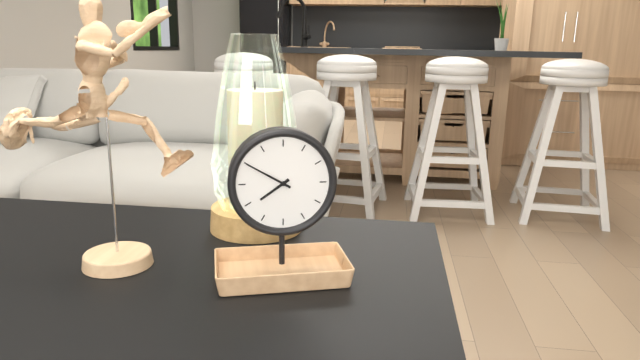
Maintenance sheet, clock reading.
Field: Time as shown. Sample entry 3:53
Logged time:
7:50
